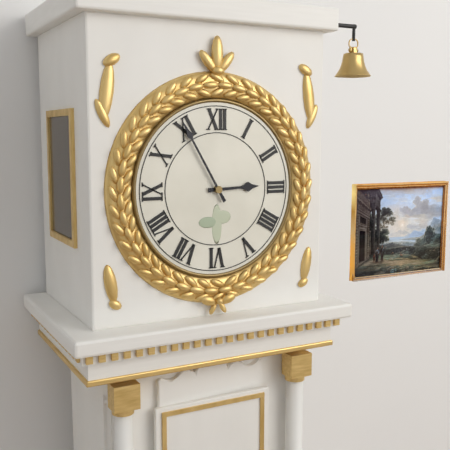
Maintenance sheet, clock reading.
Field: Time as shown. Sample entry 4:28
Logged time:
2:55
